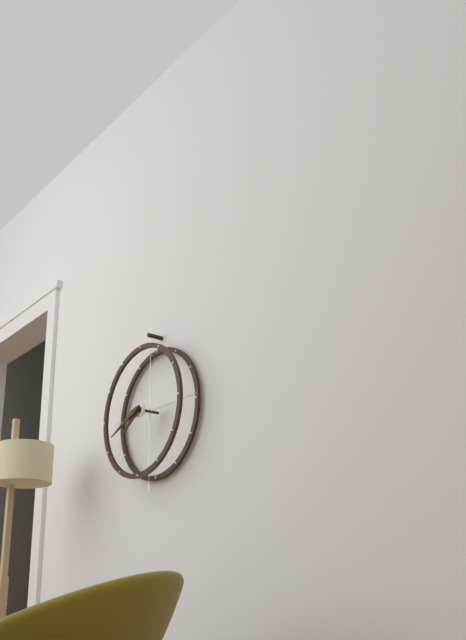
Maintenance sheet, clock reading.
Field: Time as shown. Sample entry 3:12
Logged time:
7:41
